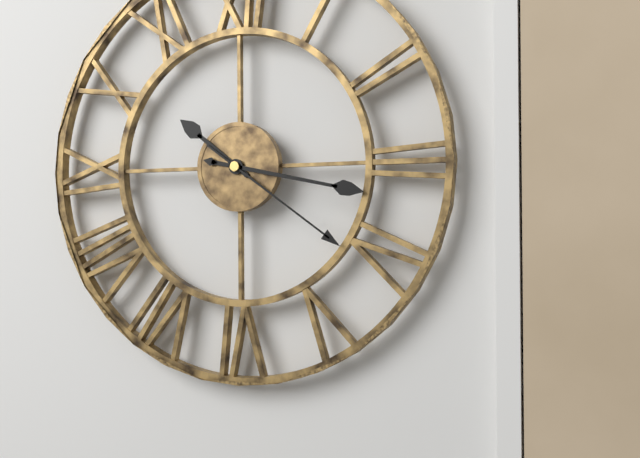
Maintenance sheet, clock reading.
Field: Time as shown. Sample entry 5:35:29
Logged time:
10:17:21
